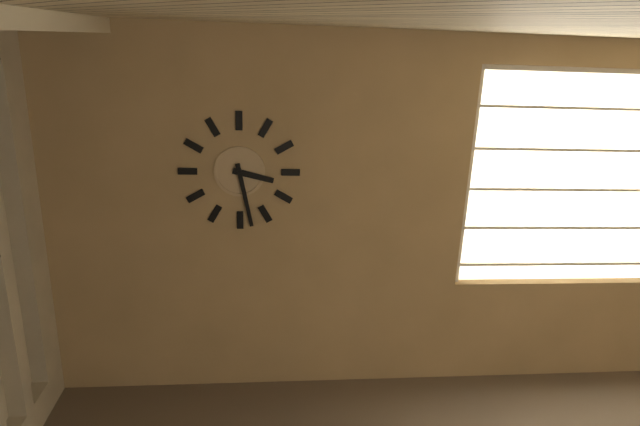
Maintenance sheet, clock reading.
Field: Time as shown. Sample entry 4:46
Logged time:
3:28
